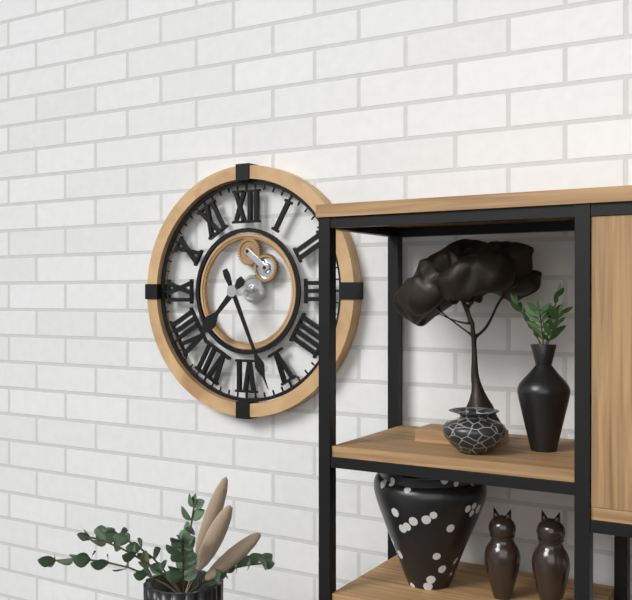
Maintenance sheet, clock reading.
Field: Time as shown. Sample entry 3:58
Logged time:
7:26
